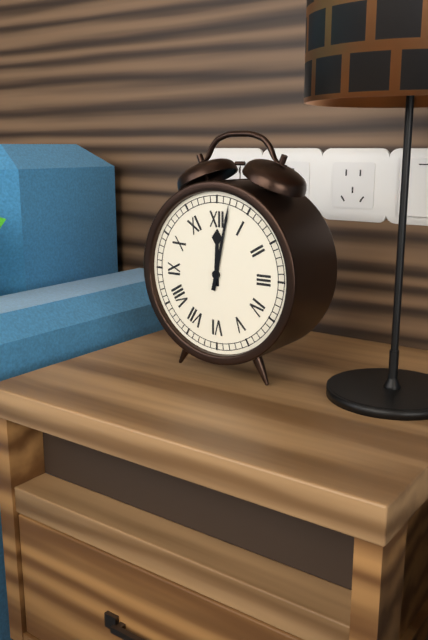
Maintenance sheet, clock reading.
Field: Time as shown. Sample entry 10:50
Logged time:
12:02
